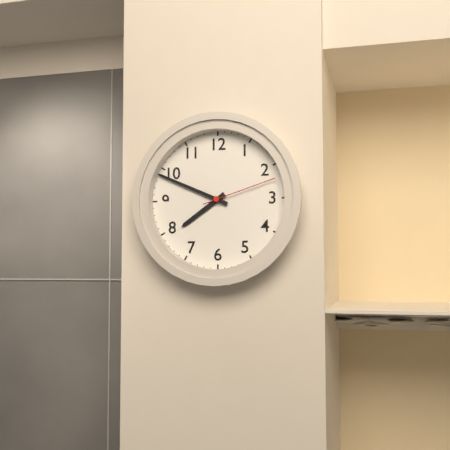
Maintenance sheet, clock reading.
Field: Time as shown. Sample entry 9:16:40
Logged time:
7:49:12
